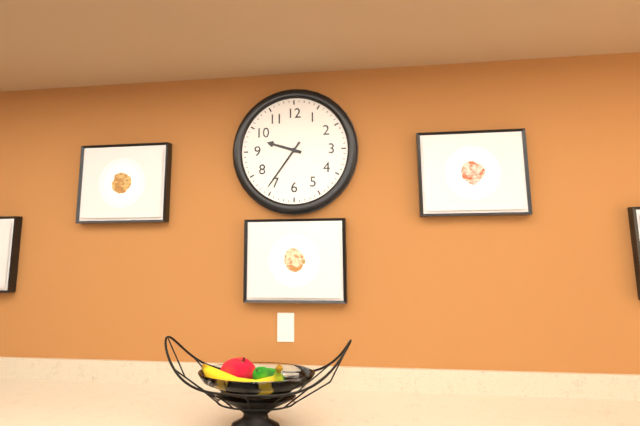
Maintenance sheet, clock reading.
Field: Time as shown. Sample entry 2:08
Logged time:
9:36
